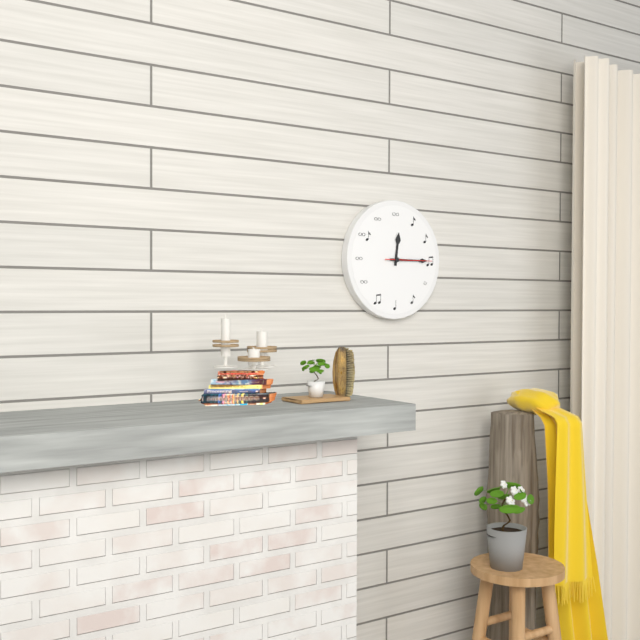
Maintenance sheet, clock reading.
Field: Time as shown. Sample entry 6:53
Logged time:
12:15
